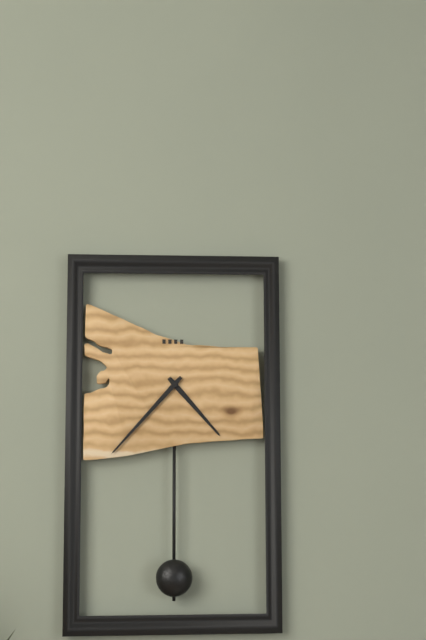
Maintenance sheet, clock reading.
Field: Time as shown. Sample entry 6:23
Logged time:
4:37
